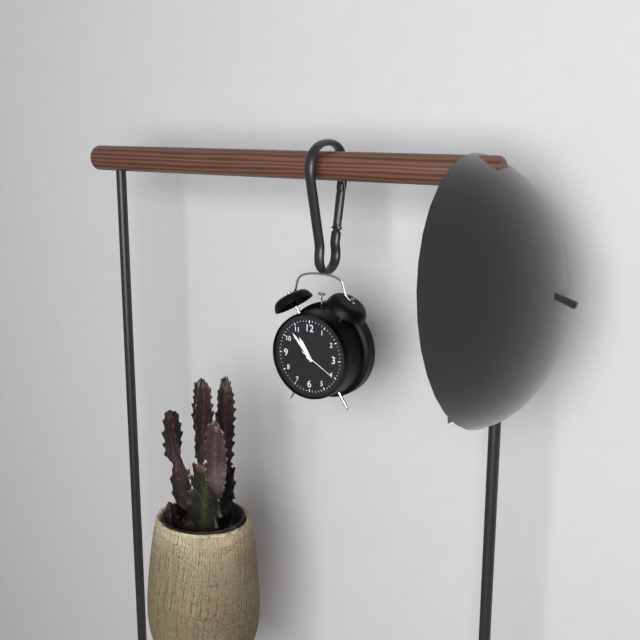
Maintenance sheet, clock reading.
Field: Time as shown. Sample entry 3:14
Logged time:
10:53
